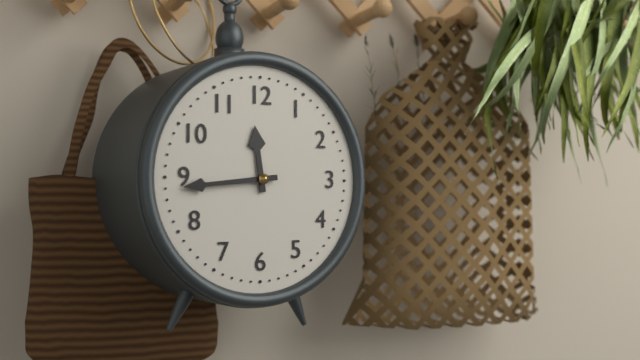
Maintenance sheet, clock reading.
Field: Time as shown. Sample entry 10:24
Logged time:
11:44
